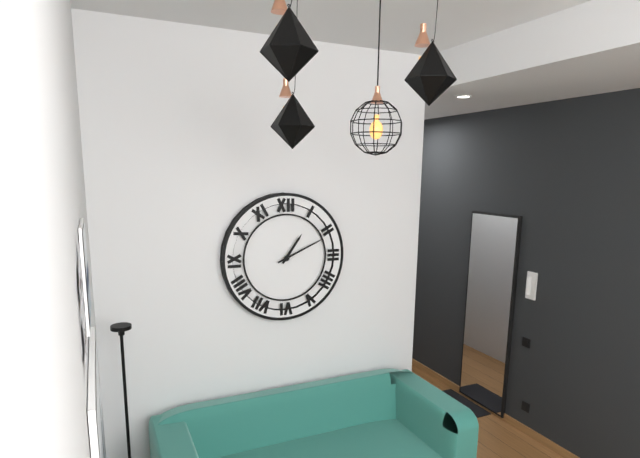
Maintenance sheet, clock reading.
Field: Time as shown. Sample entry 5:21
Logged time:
1:11
